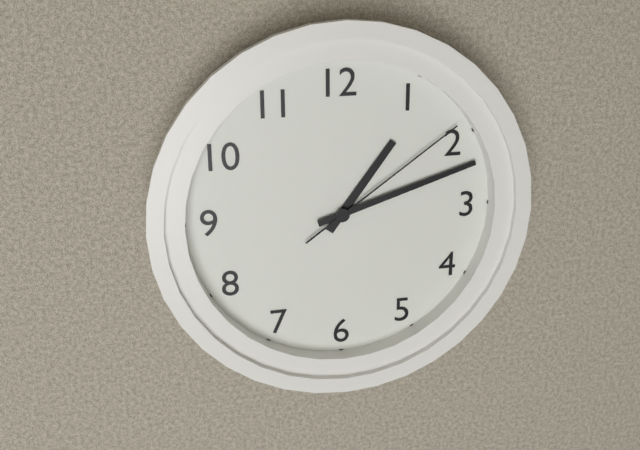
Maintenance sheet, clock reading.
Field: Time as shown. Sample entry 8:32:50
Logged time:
1:12:09
